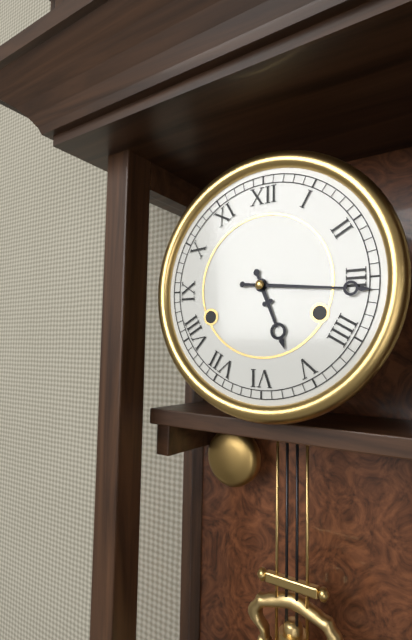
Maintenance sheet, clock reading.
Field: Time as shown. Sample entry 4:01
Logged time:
5:16
